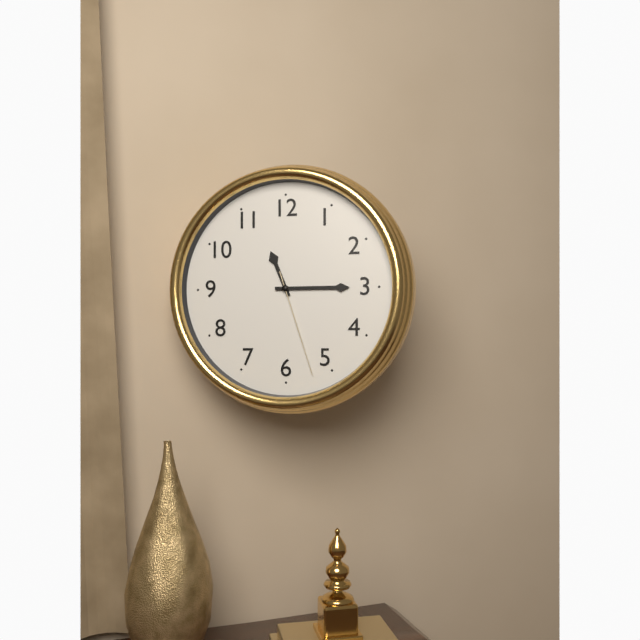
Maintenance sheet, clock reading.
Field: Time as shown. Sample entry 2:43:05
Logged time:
11:15:27
